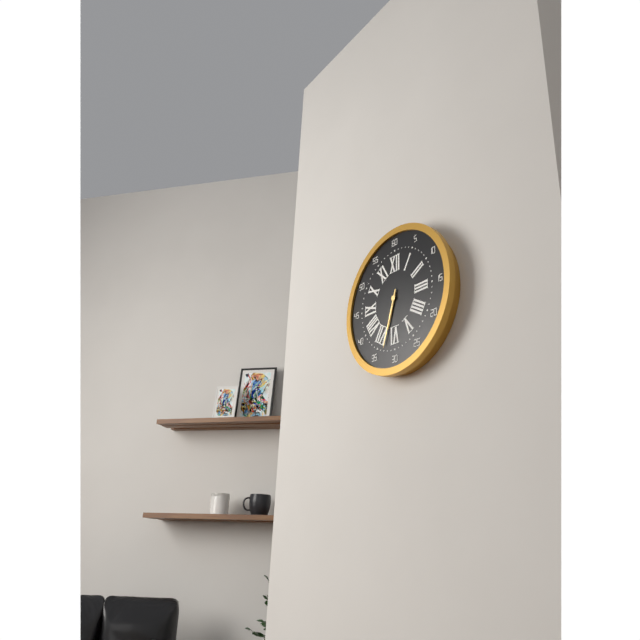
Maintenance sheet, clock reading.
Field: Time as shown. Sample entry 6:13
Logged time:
6:33
